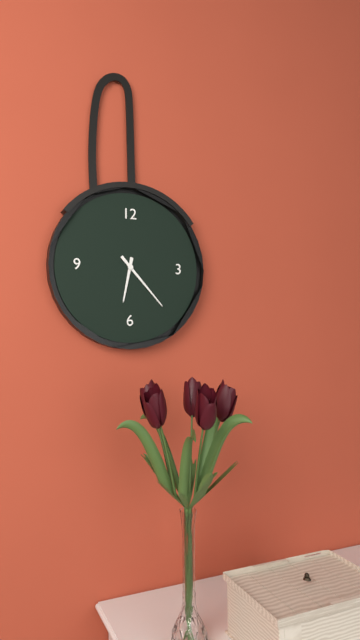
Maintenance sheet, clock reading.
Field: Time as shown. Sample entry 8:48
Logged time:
6:23
